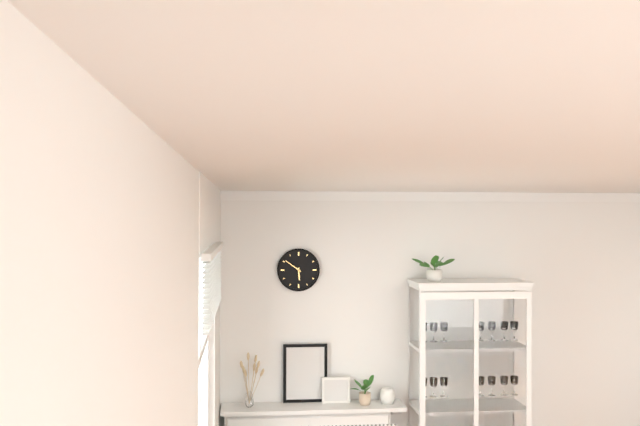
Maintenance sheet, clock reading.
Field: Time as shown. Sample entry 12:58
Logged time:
5:51
